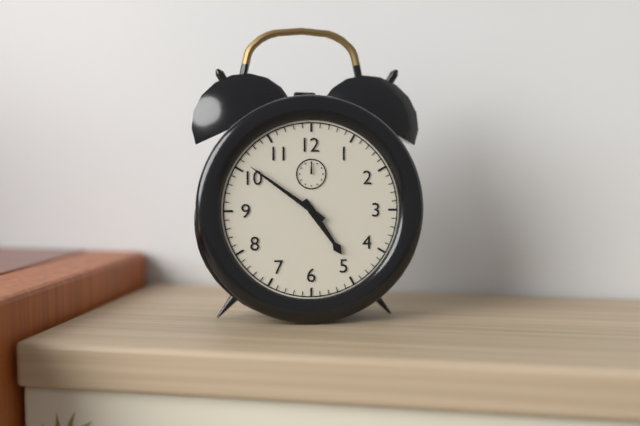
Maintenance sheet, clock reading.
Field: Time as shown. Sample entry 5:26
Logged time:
4:51
